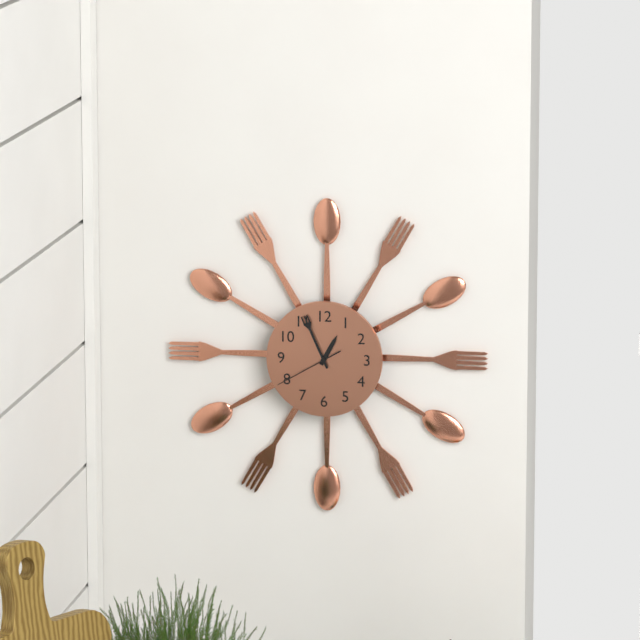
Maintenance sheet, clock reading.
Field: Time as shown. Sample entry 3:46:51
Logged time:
12:56:40
